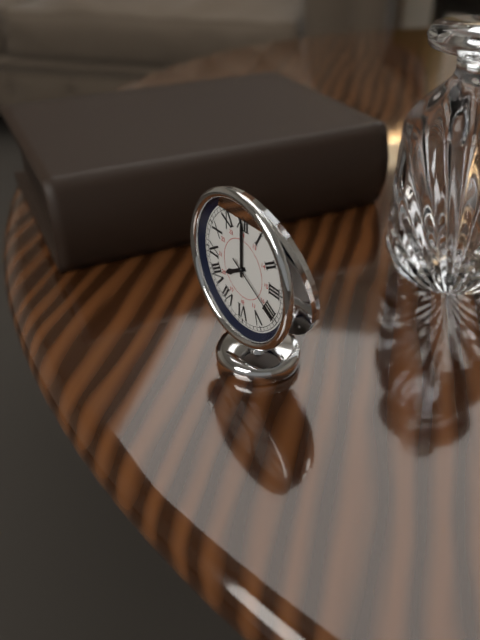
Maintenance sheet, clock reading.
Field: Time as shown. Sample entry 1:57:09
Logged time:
8:00:20
